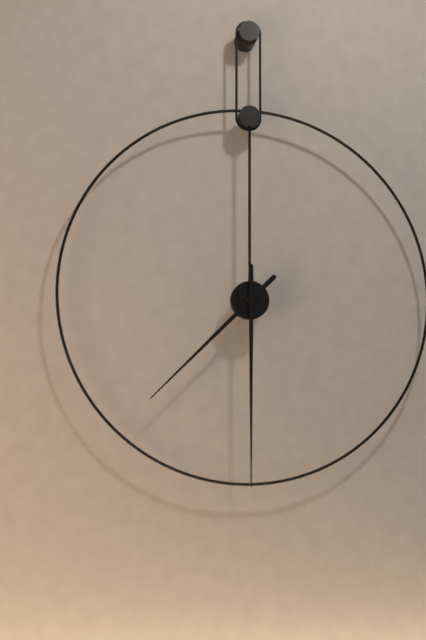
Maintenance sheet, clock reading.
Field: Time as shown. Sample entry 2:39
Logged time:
7:30
